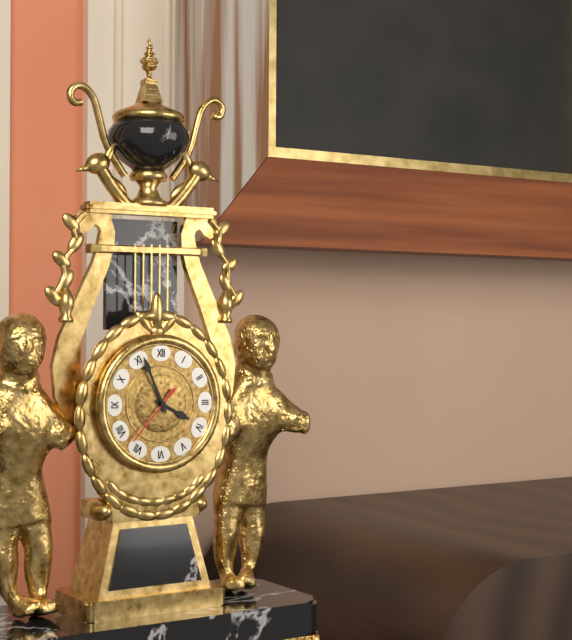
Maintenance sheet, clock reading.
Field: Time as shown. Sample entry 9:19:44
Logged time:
3:56:37
